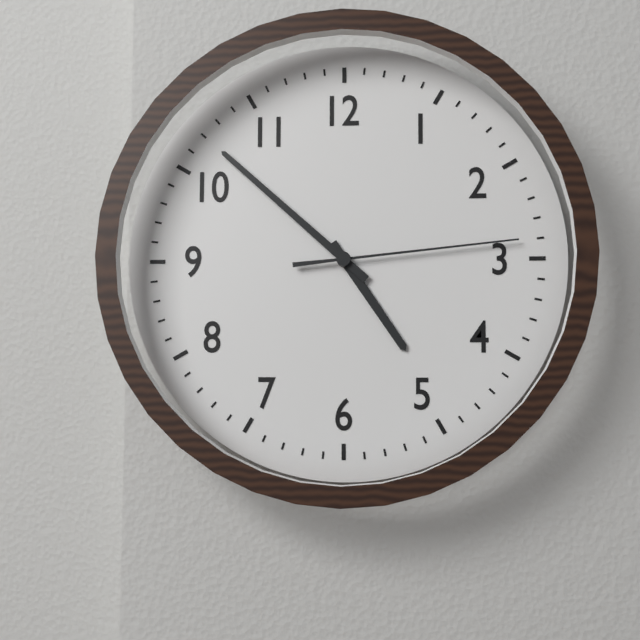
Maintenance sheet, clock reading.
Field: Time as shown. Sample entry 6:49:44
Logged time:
4:52:14
